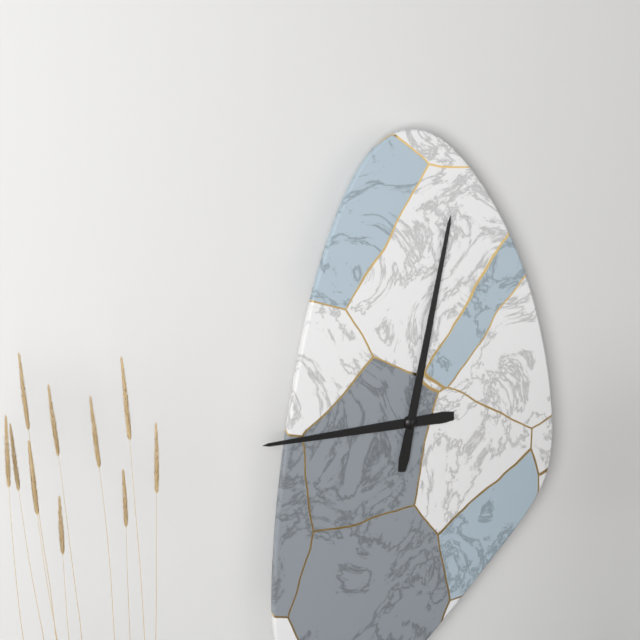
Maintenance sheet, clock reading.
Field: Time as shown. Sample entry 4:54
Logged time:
9:02
